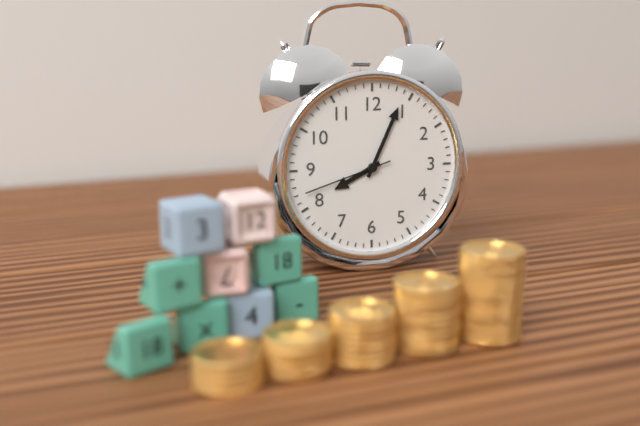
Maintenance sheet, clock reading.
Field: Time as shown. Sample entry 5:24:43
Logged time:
8:04:42
